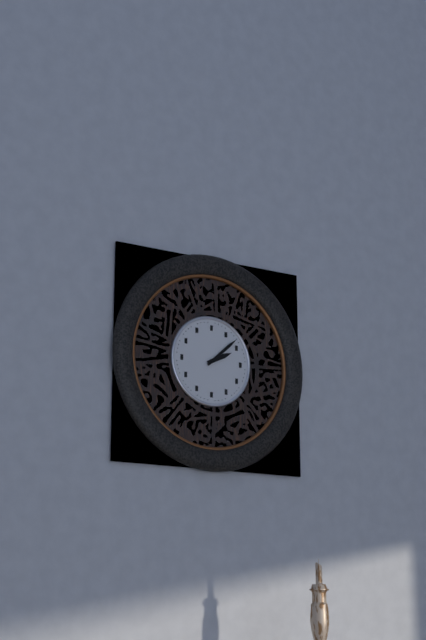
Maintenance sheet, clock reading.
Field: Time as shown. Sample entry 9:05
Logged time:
2:08
